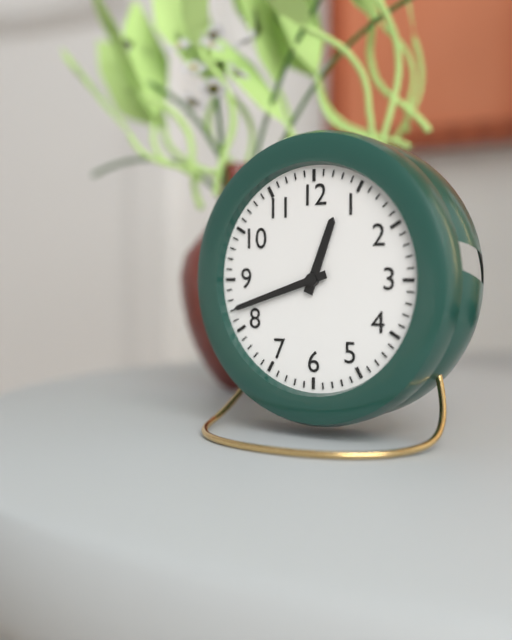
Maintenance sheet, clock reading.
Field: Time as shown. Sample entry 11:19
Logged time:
12:42
